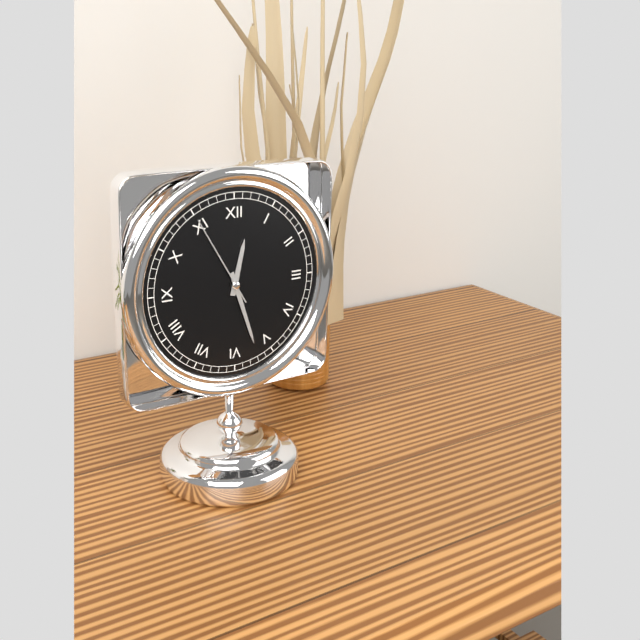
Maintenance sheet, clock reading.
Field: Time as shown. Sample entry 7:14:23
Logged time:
12:27:55
